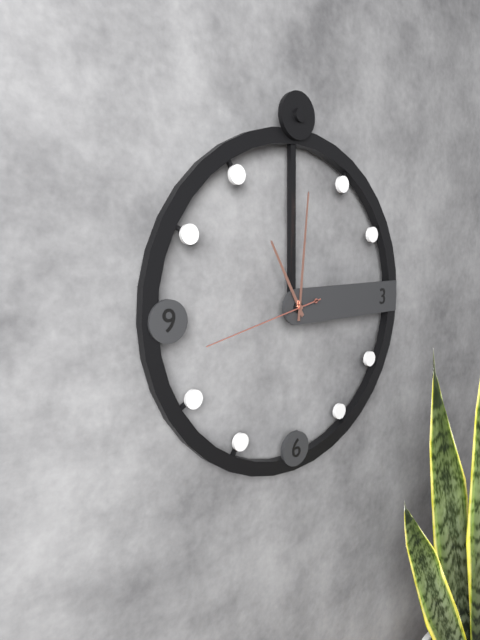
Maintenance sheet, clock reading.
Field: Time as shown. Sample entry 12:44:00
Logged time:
11:01:43
